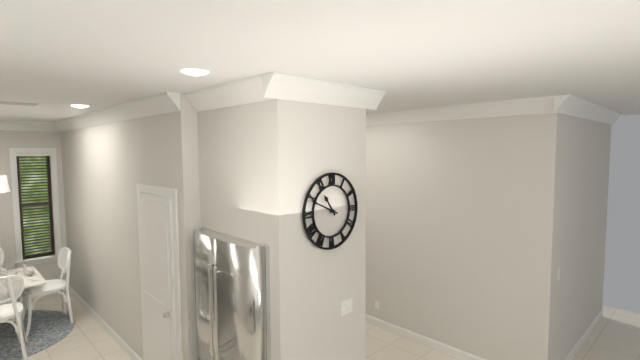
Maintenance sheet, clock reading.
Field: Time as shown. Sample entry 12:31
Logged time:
10:49
